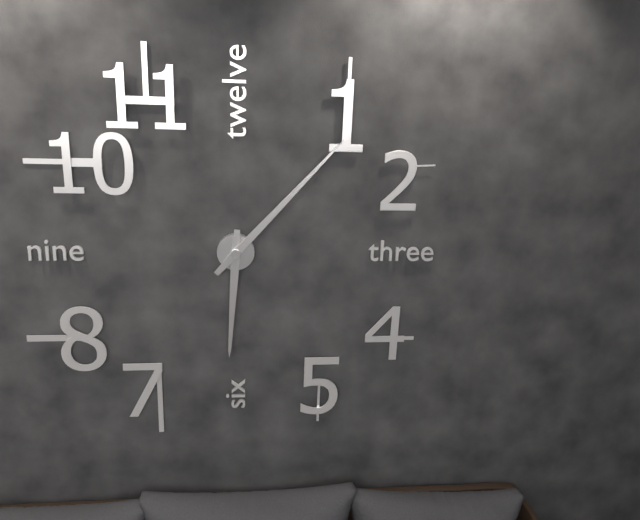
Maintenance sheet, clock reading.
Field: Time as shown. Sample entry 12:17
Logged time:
6:07
